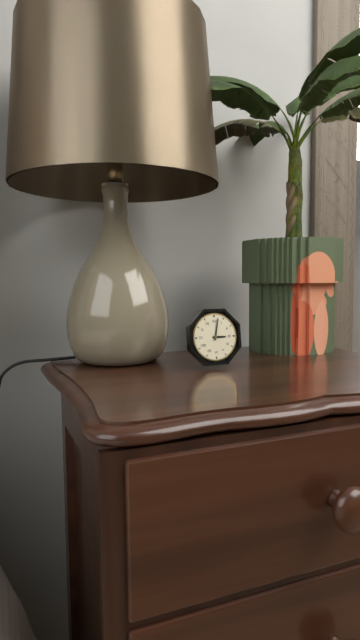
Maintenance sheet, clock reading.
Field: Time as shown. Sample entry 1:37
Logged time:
3:02
